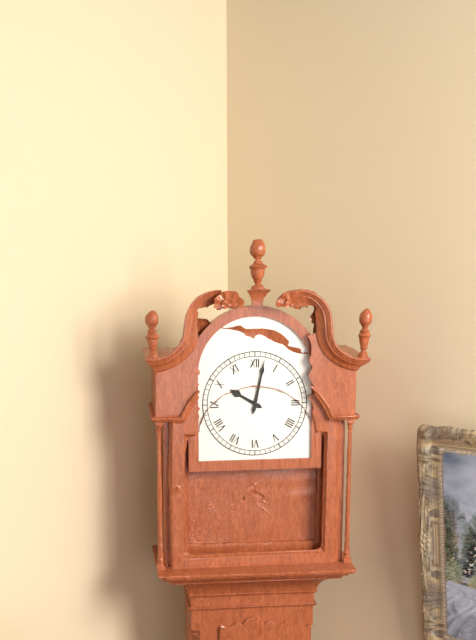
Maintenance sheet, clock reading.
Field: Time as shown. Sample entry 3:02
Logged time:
10:02
